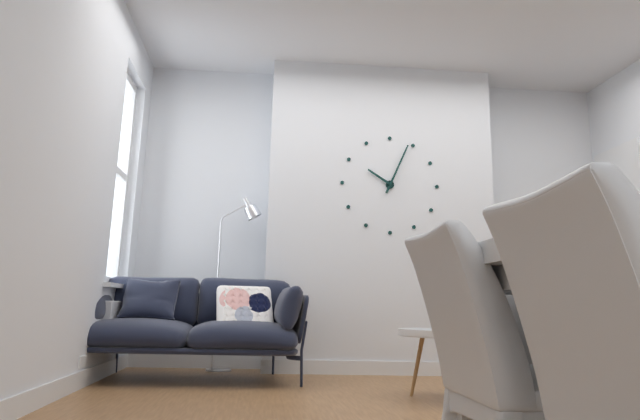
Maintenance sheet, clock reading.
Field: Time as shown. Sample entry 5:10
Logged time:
10:04
